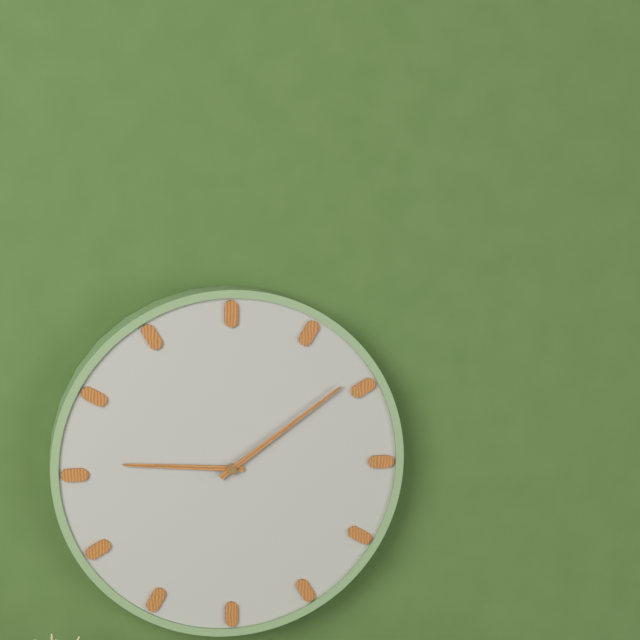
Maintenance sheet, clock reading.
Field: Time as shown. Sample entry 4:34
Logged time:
9:09
